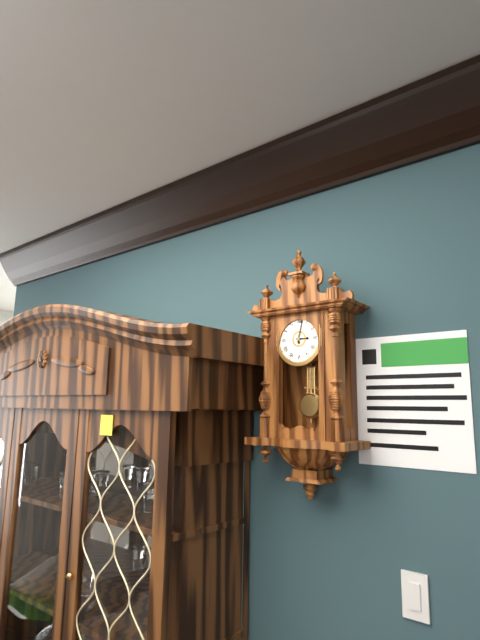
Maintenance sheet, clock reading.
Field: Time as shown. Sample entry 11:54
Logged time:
3:02
